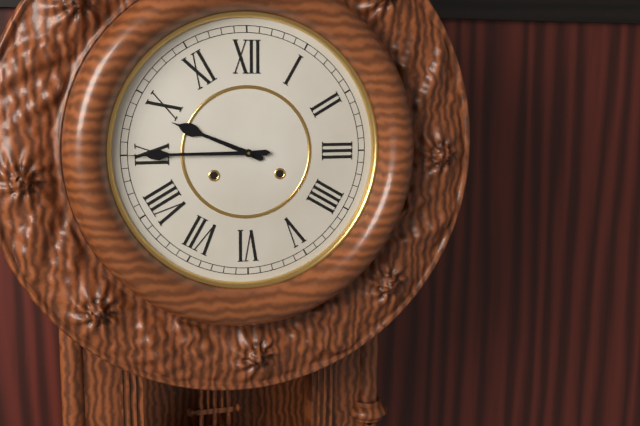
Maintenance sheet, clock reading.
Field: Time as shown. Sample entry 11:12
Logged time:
9:45
